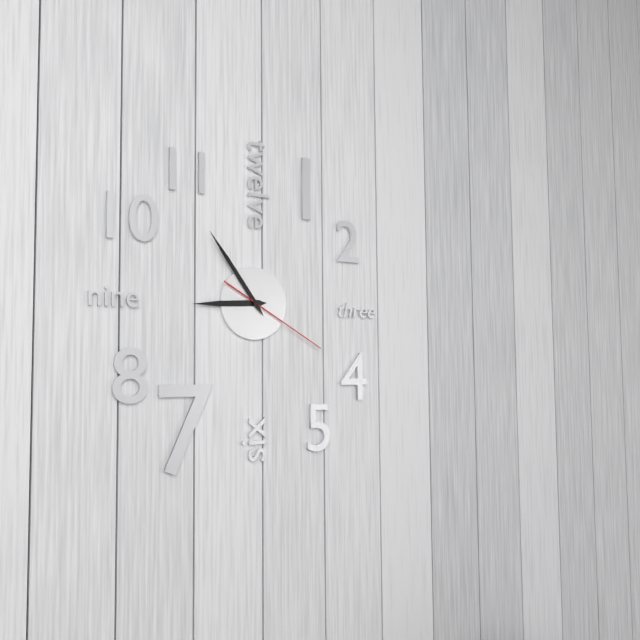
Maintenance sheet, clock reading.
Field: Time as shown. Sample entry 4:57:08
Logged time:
8:54:20
